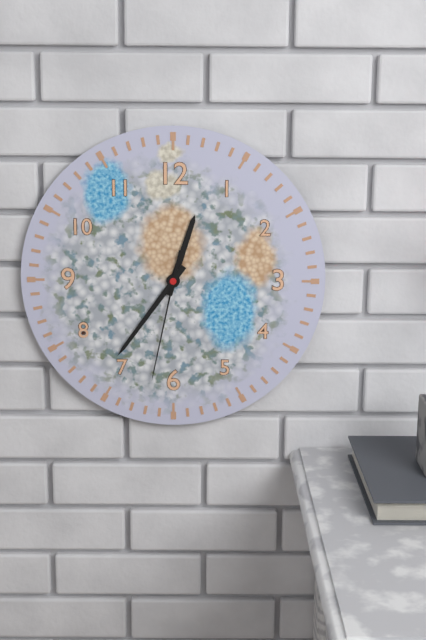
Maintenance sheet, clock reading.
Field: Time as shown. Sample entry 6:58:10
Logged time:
12:36:32
